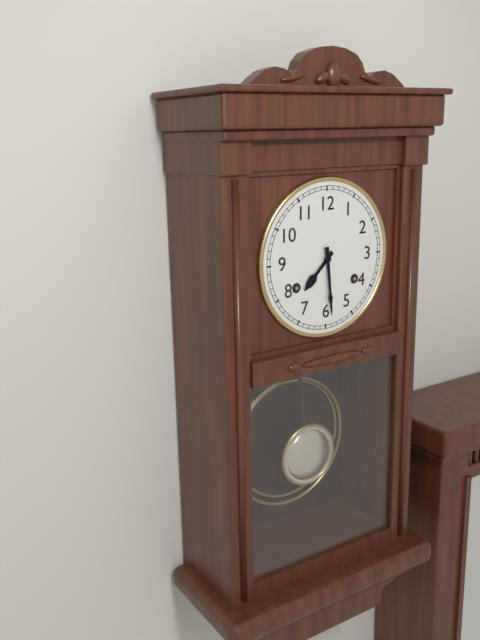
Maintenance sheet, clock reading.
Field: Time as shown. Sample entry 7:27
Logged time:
7:29
